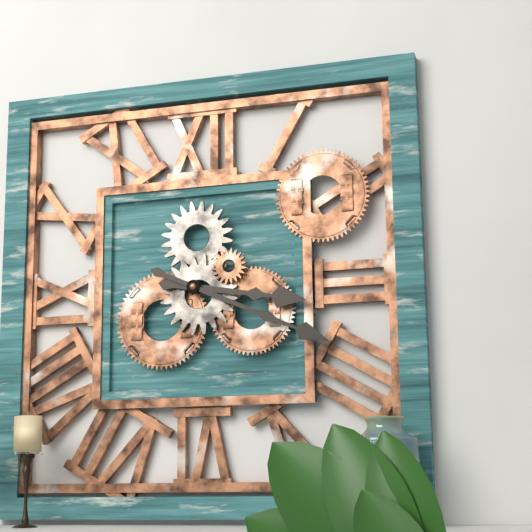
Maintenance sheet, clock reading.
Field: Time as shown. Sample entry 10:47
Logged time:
3:19
